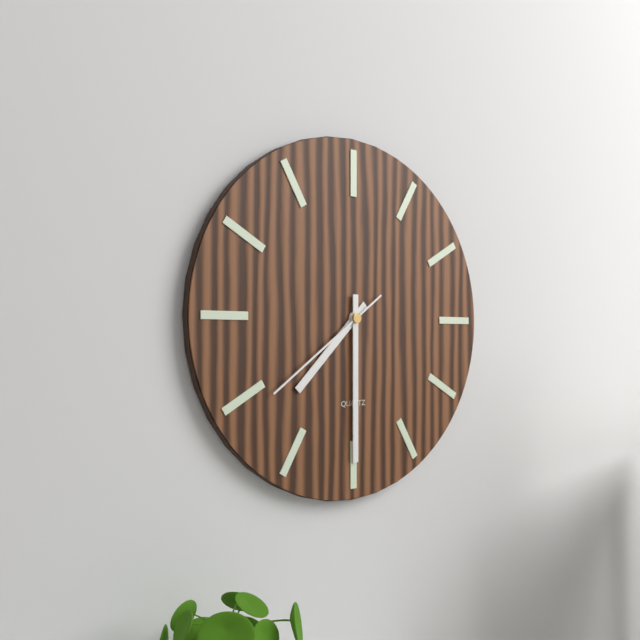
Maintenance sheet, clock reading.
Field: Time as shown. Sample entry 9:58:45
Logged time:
7:30:39
